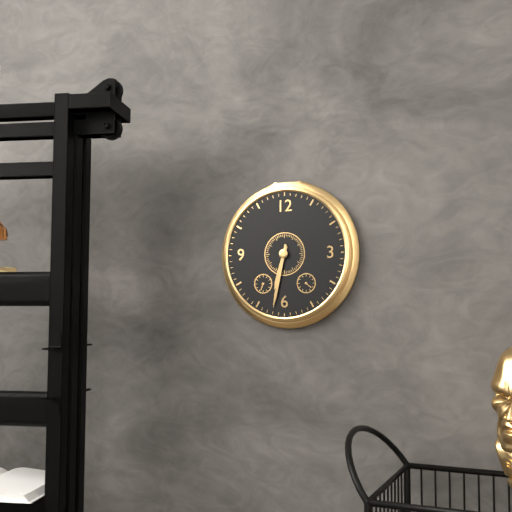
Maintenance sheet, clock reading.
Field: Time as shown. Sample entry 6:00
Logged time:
6:32
